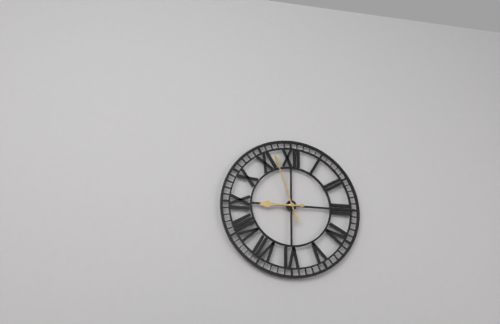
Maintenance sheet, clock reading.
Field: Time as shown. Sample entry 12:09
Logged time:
8:57
